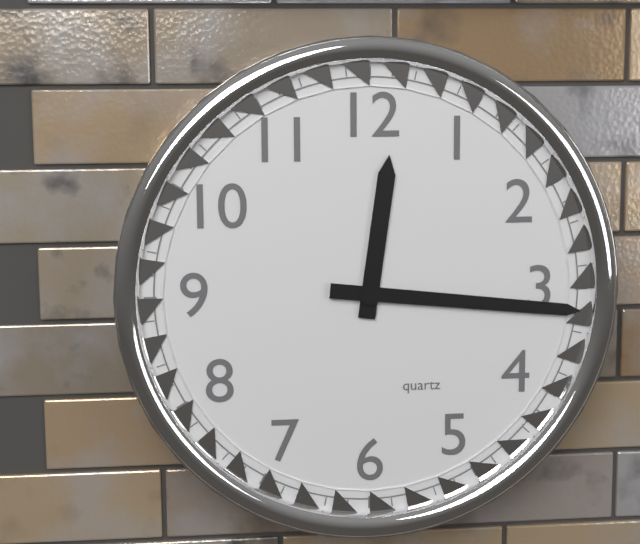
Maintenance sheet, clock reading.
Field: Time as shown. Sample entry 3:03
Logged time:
12:16
